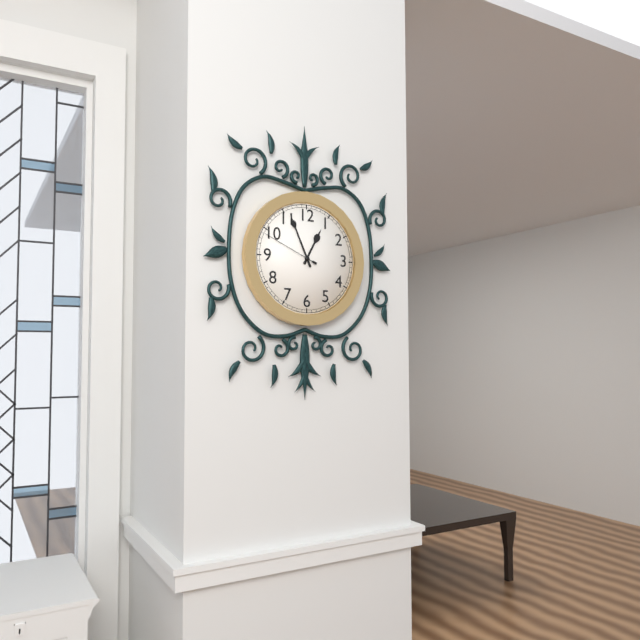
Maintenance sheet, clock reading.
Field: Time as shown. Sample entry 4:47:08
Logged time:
12:56:49
